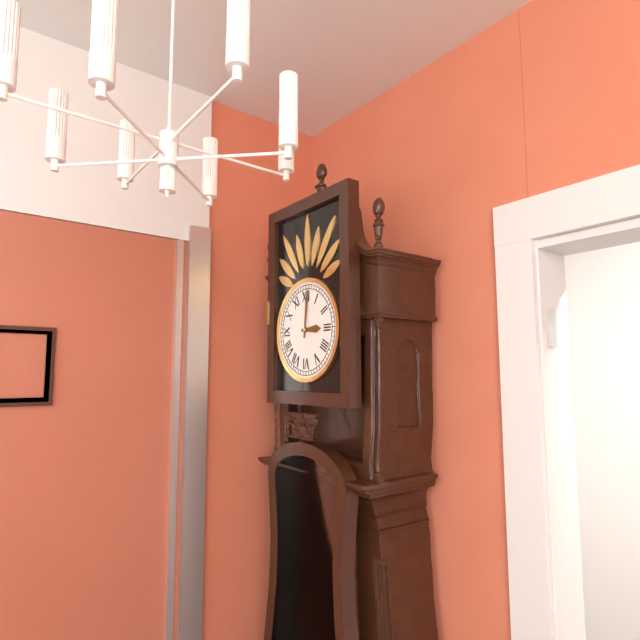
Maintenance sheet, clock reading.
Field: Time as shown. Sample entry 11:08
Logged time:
3:01
